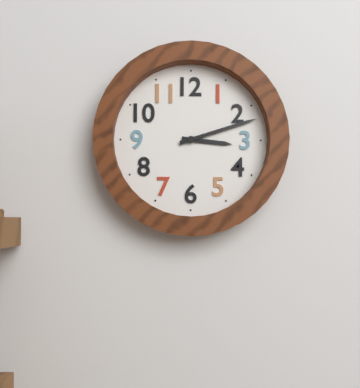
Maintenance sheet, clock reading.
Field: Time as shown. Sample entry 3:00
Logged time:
3:12
